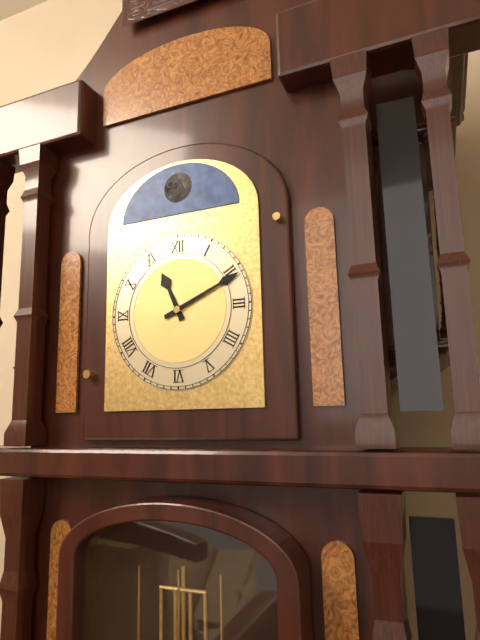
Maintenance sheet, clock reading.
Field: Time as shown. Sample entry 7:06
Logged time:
11:11
